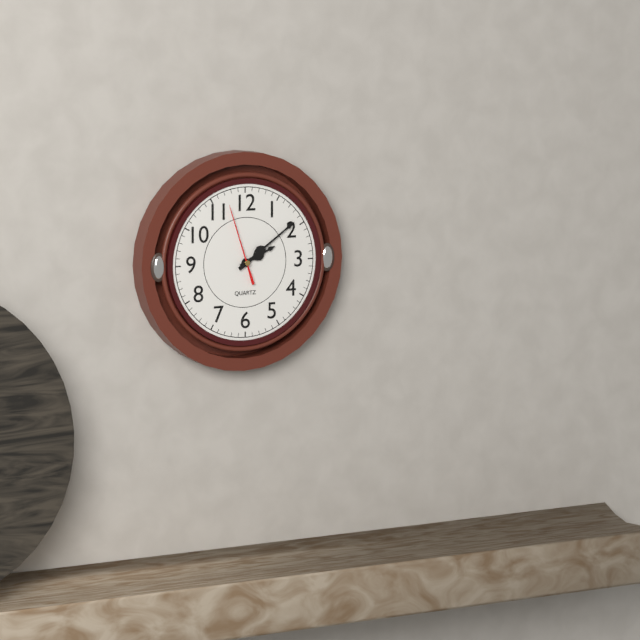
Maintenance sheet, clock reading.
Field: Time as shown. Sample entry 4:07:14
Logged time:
2:09:57
